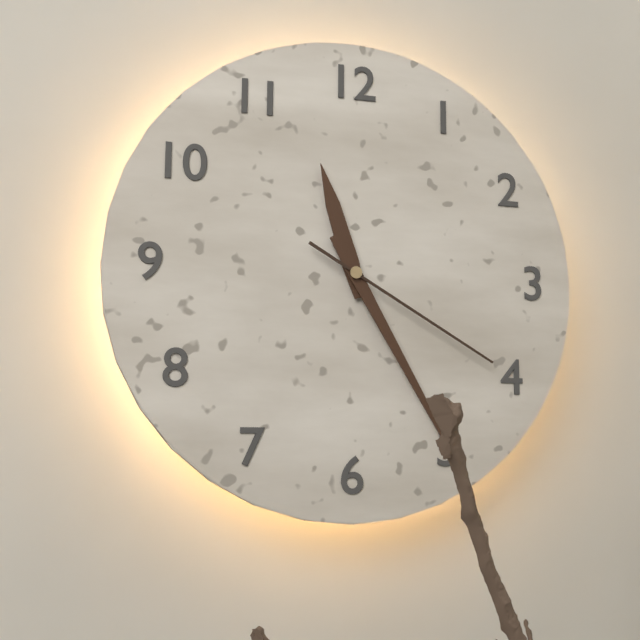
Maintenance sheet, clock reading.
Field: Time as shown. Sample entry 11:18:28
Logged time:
11:25:20
